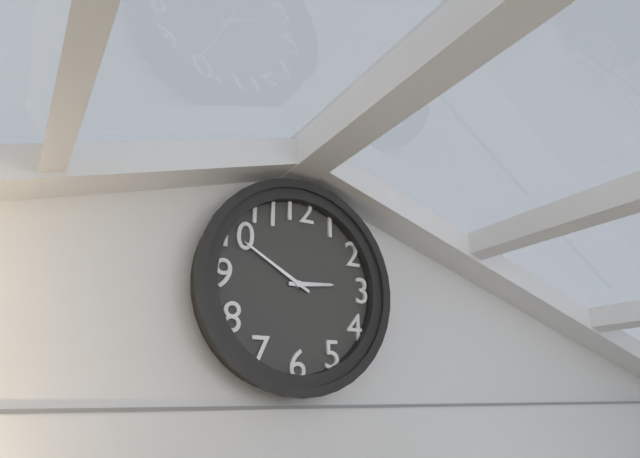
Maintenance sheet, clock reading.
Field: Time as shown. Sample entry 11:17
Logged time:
2:50
